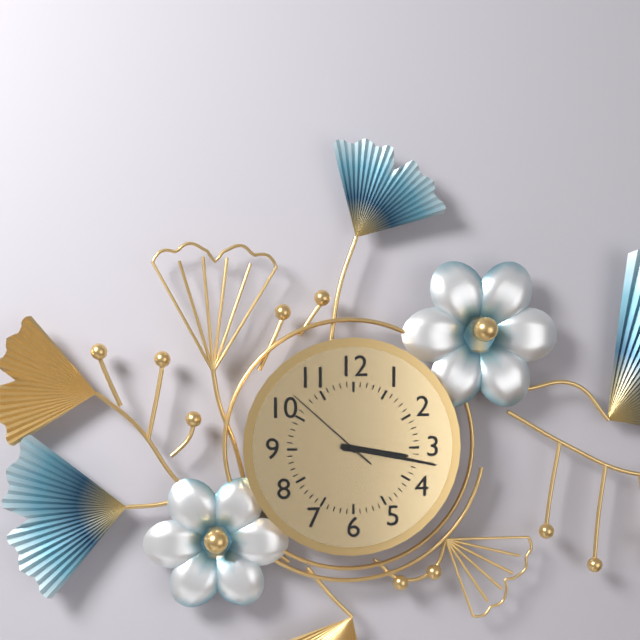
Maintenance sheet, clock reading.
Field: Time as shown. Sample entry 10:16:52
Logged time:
3:17:52
